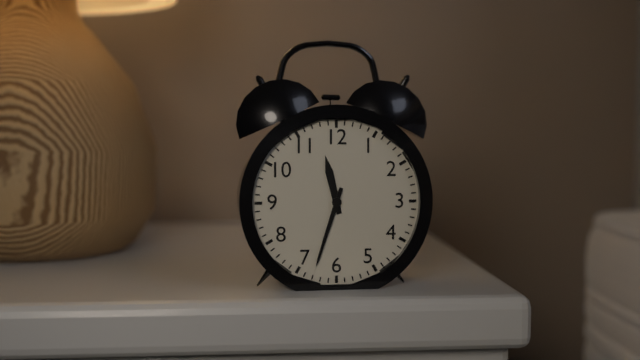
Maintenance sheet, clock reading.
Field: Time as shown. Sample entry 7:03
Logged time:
11:33
